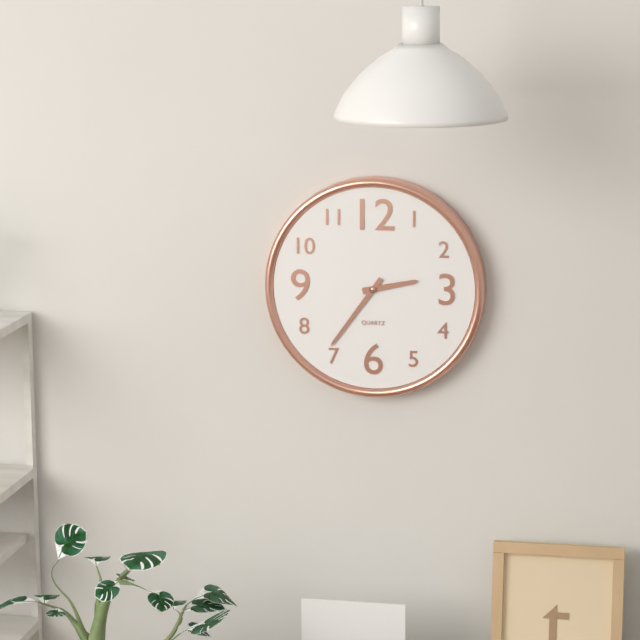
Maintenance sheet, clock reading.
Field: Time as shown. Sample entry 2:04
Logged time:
2:36
